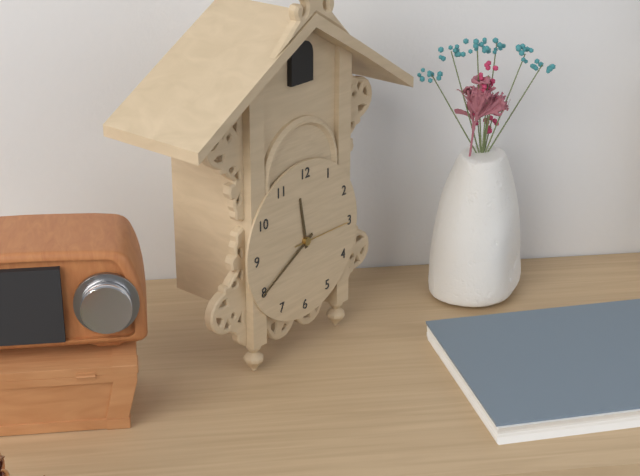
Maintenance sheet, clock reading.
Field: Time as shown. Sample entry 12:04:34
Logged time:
11:40:15
